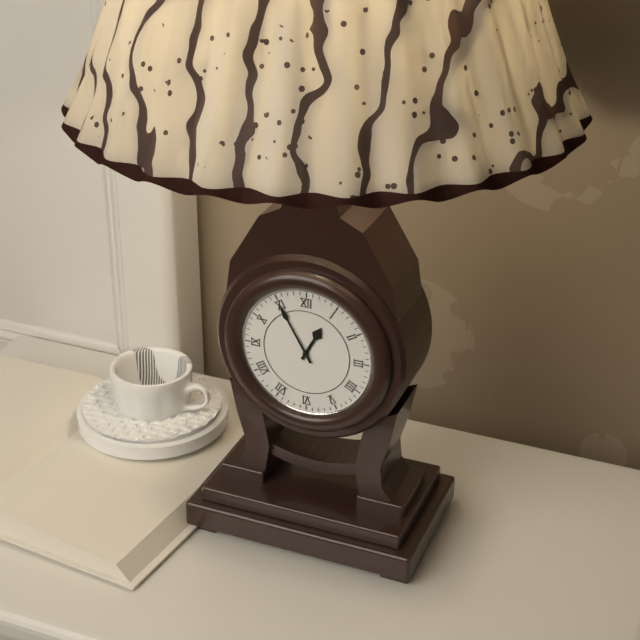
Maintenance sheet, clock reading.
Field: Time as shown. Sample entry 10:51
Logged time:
12:55
